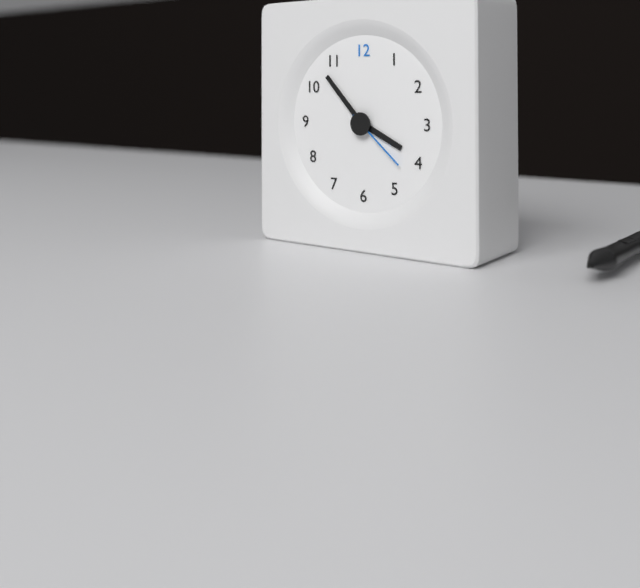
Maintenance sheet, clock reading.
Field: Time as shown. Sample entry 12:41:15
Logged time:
3:53:22
